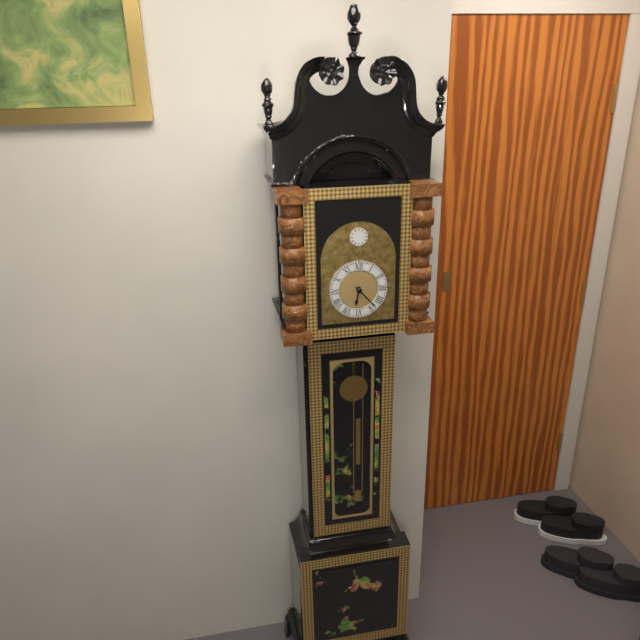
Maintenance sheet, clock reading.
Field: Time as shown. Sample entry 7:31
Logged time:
6:23
